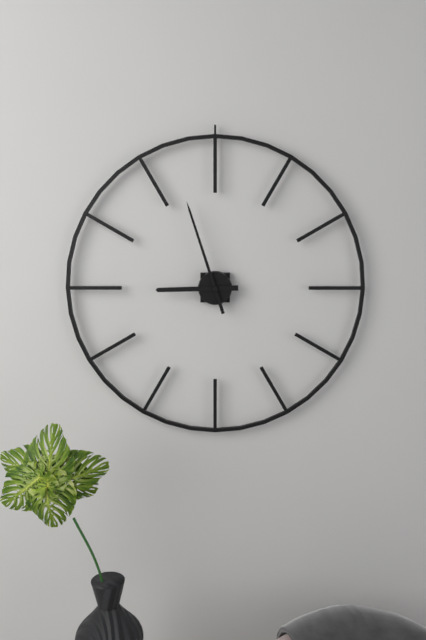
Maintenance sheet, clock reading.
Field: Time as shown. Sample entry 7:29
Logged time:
8:57
